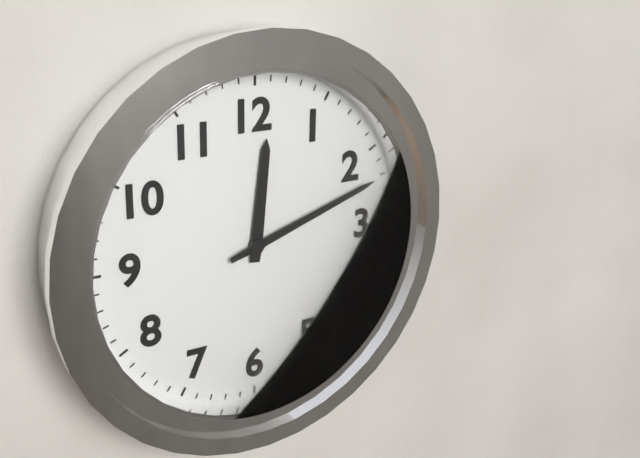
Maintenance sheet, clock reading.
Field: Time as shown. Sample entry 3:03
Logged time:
12:12
